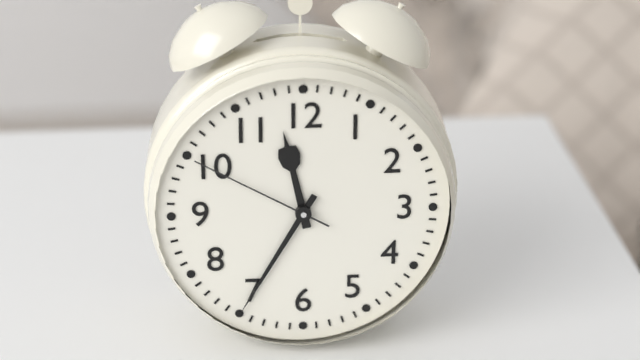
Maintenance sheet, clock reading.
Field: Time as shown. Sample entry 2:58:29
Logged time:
11:35:50
